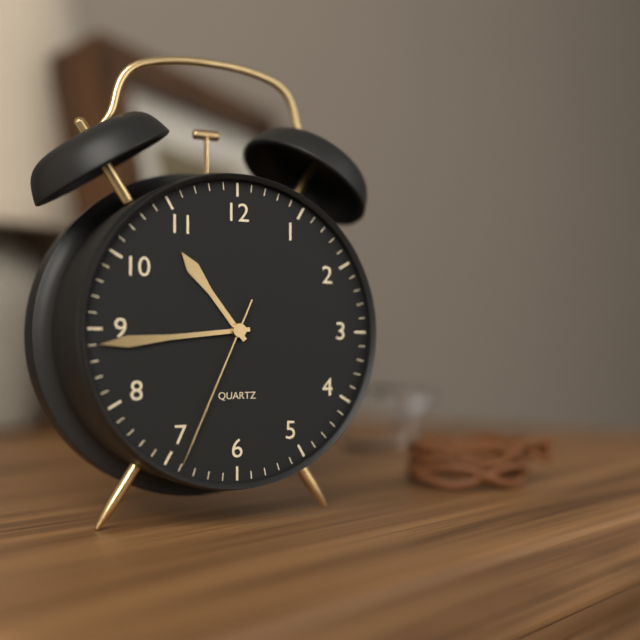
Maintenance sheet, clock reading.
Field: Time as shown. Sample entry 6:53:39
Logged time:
10:44:34
